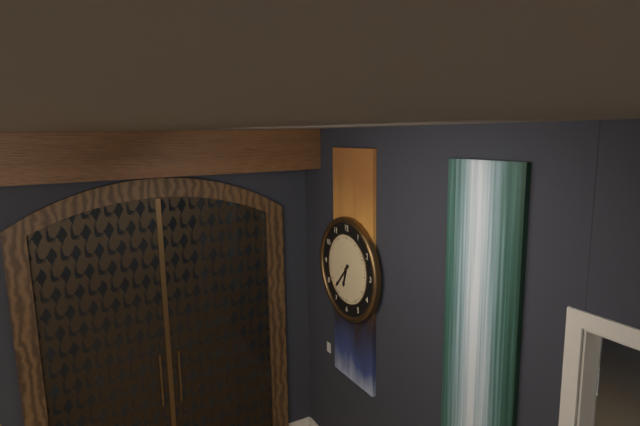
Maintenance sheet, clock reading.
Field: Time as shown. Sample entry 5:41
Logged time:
6:37
